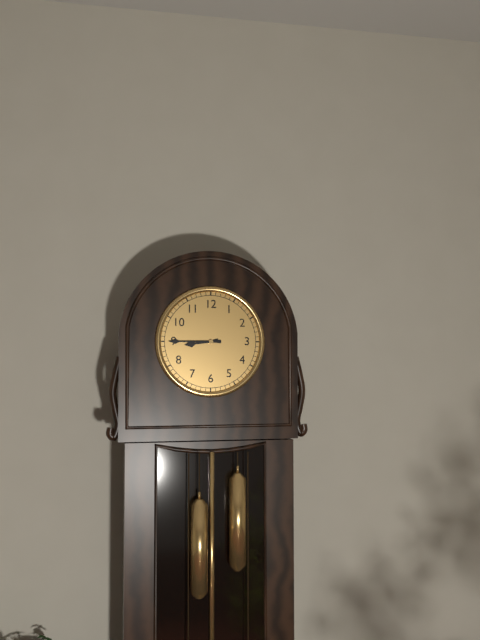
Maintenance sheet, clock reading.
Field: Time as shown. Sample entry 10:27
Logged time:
8:45
